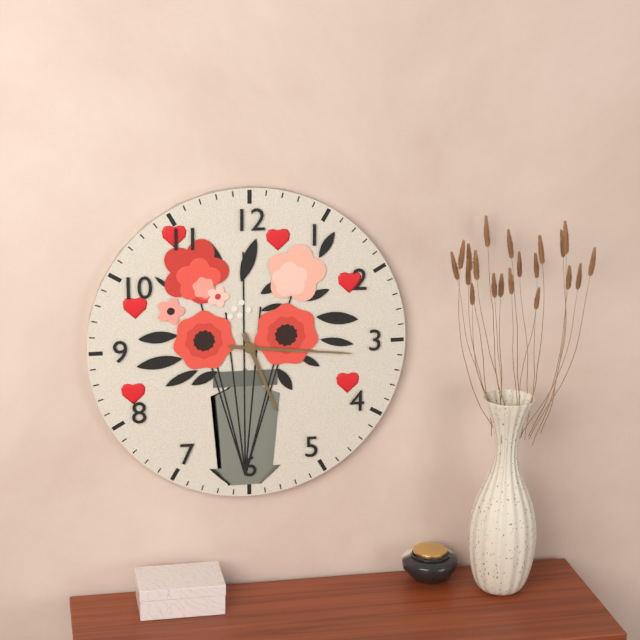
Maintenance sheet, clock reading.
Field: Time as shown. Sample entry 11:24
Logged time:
5:16
